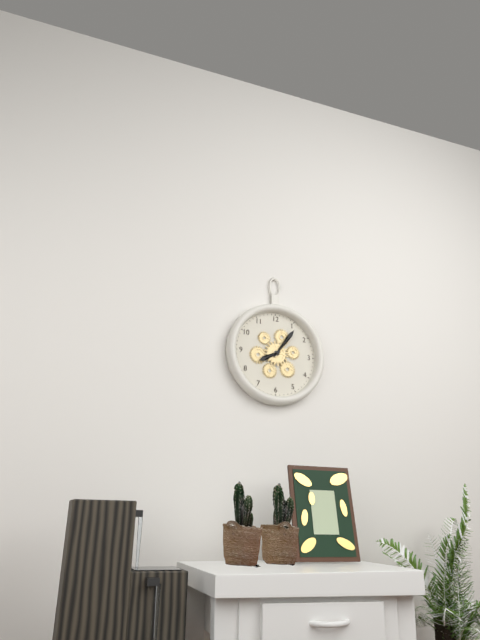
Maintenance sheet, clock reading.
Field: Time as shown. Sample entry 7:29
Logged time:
8:06
